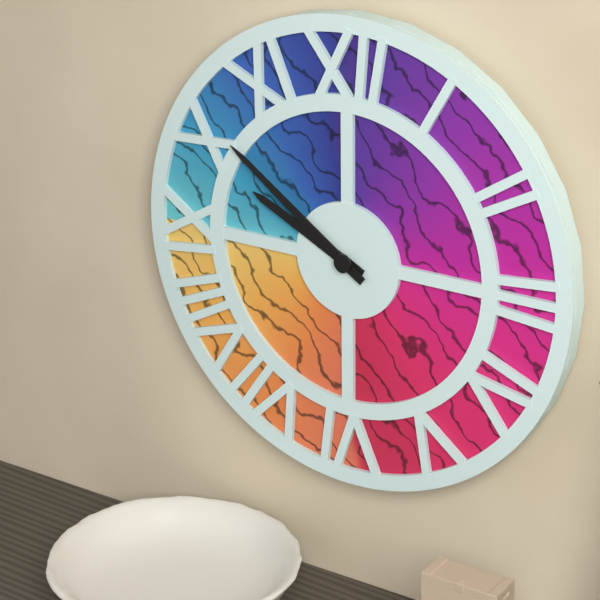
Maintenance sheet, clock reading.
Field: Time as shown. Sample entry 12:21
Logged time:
9:51
